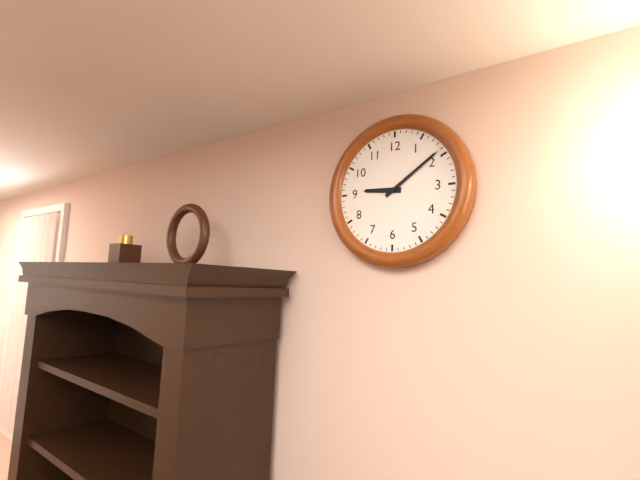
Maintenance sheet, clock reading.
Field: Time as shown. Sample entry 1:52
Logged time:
9:09
